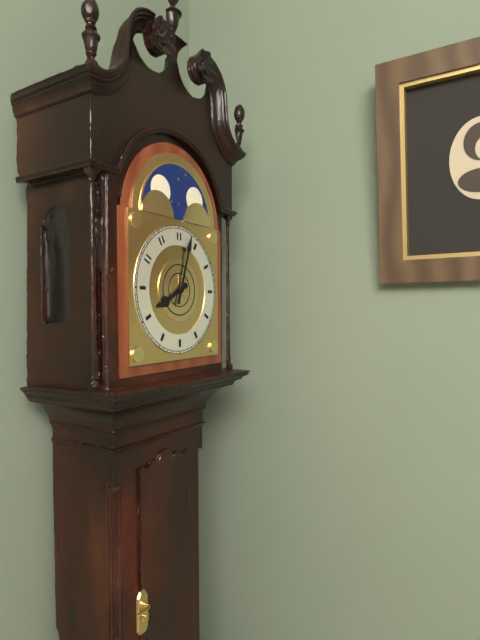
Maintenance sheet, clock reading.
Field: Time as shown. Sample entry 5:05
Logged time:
8:03
